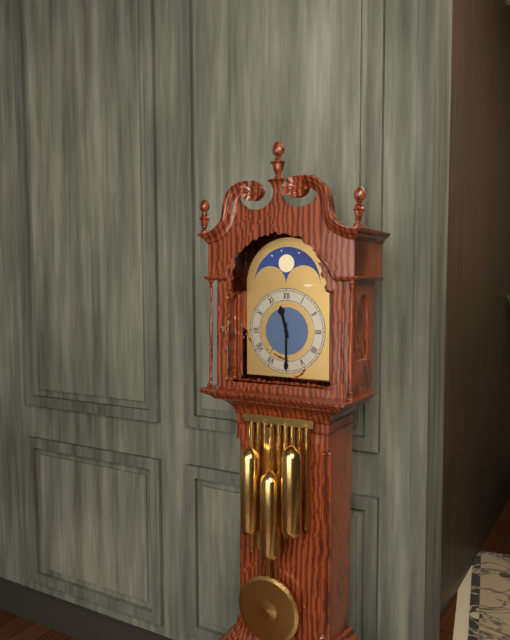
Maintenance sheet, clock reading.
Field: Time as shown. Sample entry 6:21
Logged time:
11:30
